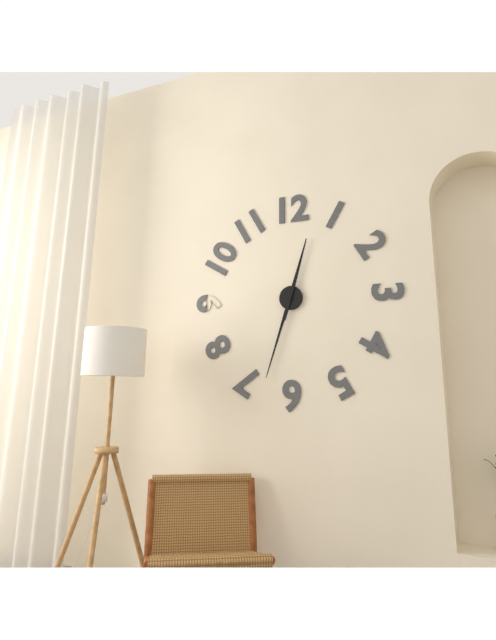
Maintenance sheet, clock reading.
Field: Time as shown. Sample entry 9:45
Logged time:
12:33
